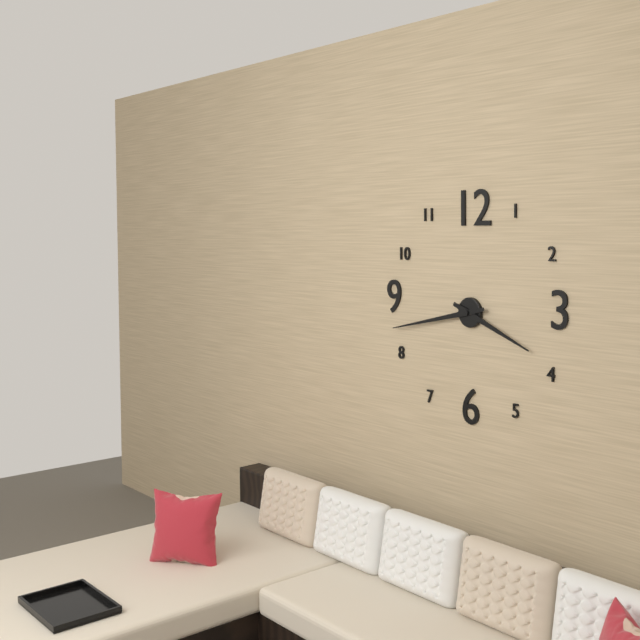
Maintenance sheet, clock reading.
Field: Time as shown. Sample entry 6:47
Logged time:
3:43
